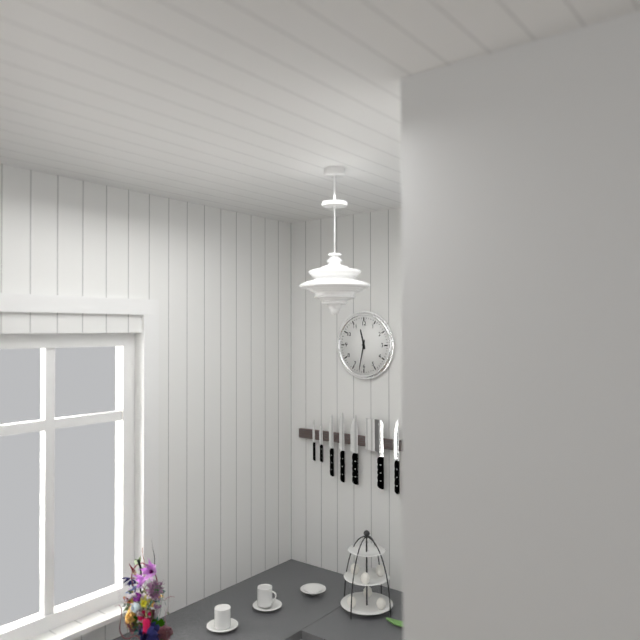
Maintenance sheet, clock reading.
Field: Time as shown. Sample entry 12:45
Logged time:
11:32
